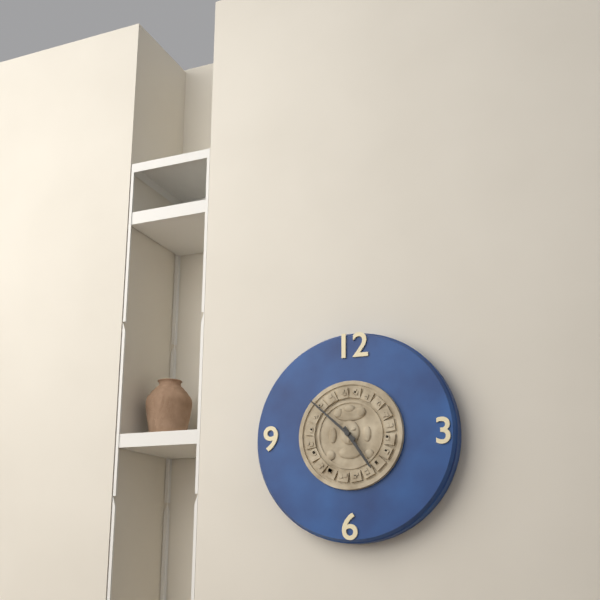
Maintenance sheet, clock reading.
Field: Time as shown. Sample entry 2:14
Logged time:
4:52
